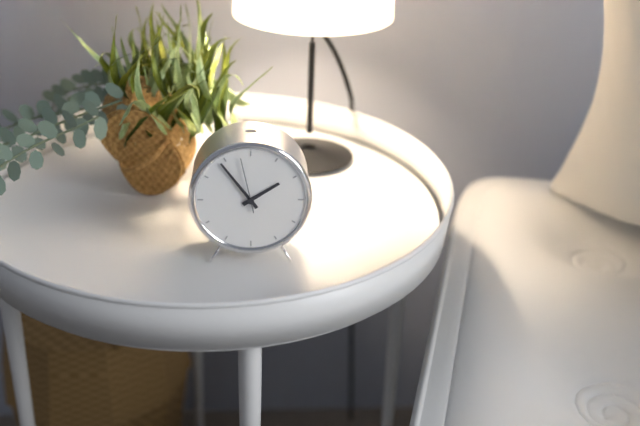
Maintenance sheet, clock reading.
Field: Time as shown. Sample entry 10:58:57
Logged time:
1:54:58
